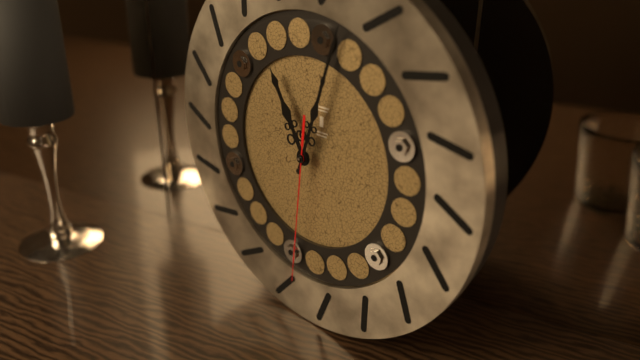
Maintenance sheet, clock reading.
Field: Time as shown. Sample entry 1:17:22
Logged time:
11:03:31
